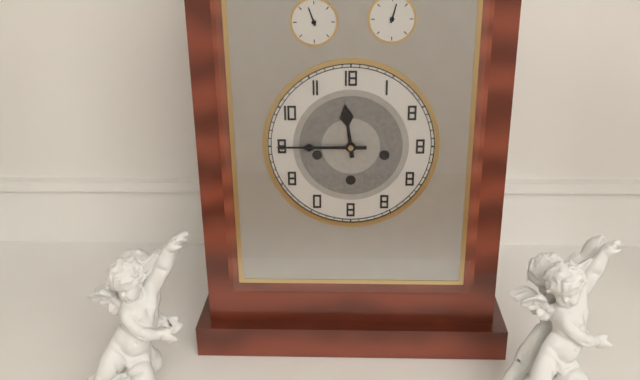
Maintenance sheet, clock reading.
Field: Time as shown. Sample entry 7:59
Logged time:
11:45
